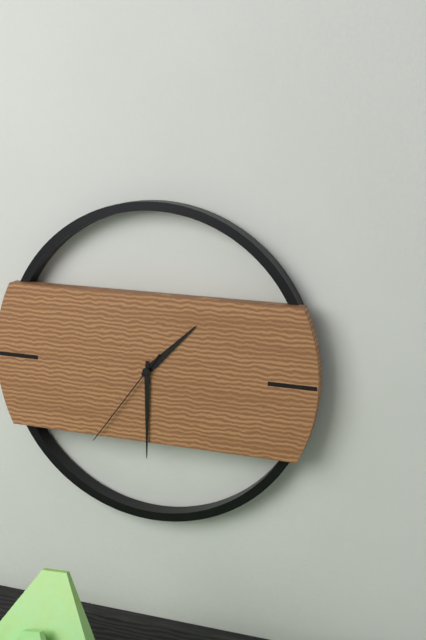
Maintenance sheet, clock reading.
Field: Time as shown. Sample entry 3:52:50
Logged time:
1:30:36
